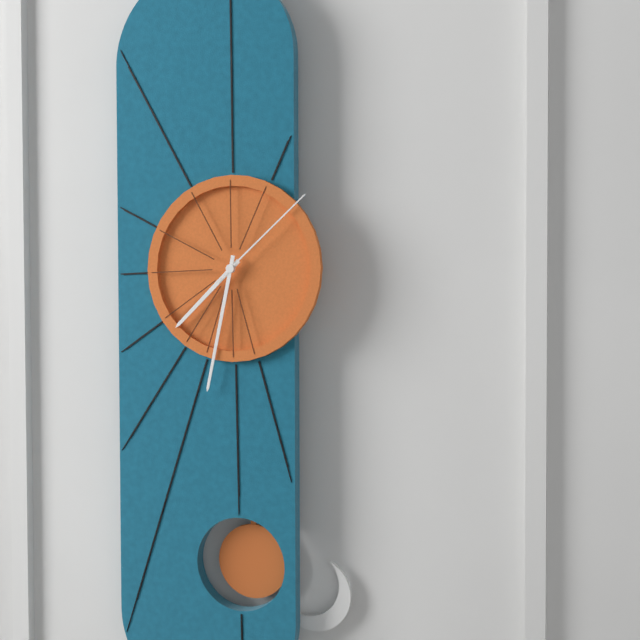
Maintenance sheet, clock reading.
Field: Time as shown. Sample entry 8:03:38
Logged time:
7:32:08
